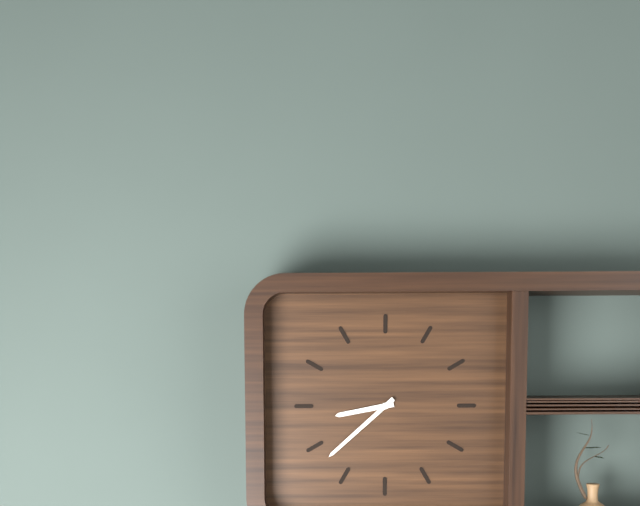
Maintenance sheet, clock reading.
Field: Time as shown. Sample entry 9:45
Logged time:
8:38
